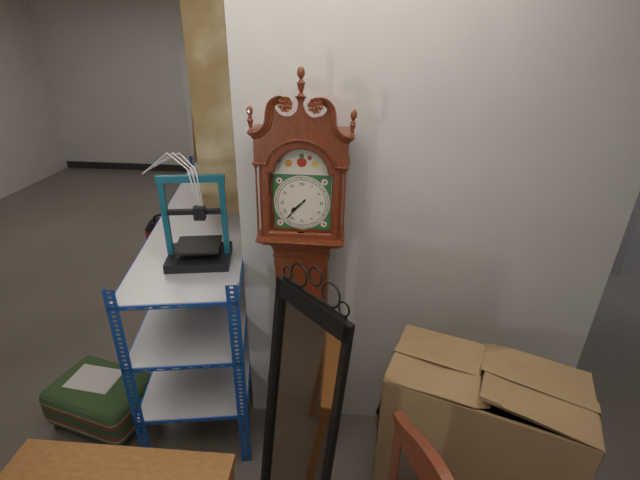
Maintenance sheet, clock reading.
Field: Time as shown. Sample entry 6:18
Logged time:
7:37
